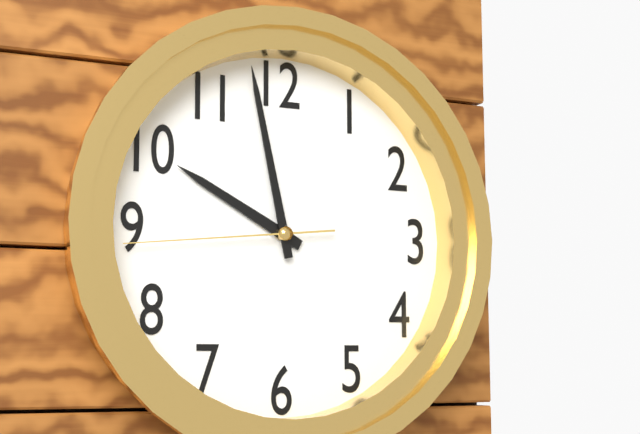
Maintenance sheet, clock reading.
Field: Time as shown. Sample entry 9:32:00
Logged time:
9:58:44
